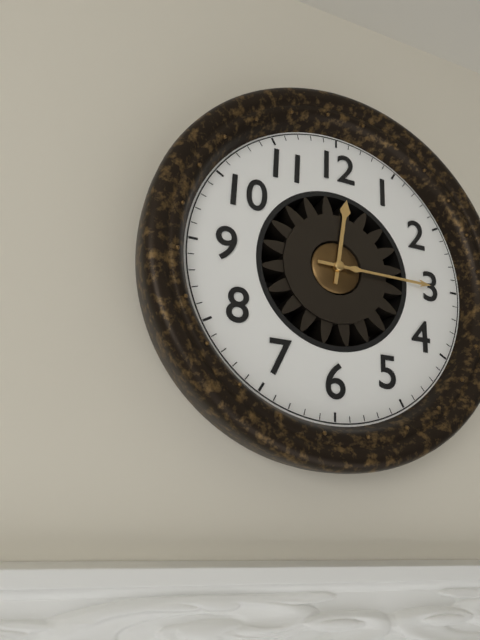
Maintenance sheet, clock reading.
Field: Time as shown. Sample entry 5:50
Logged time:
12:15
